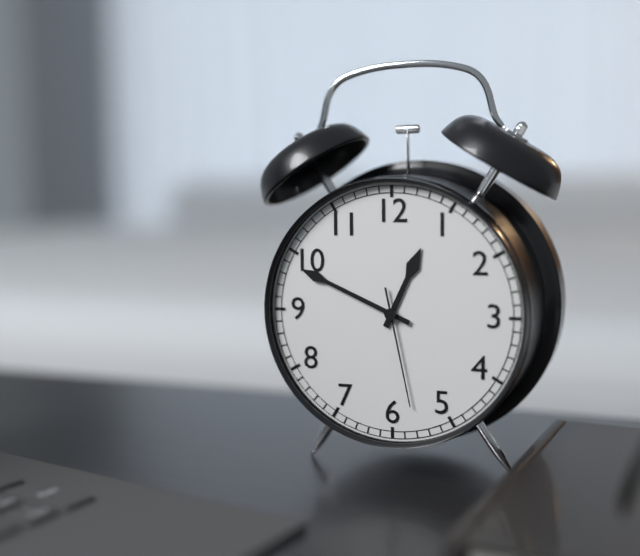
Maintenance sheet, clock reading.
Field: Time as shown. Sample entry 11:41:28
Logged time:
12:49:28
